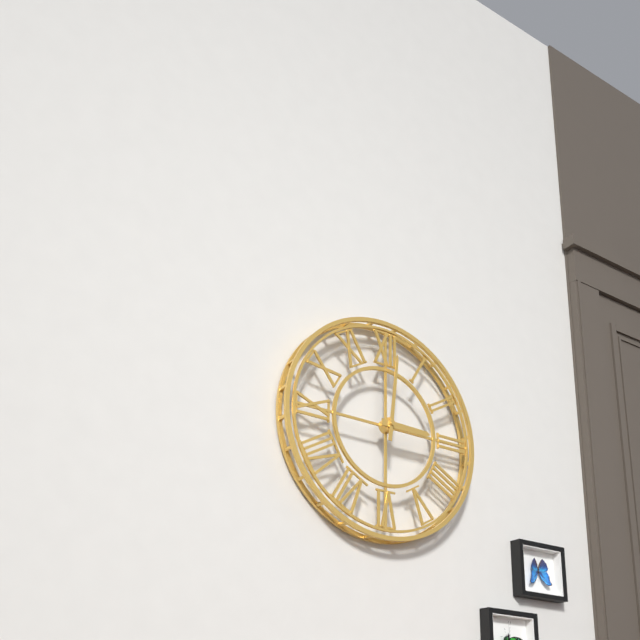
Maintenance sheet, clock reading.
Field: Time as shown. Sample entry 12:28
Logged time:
3:01
